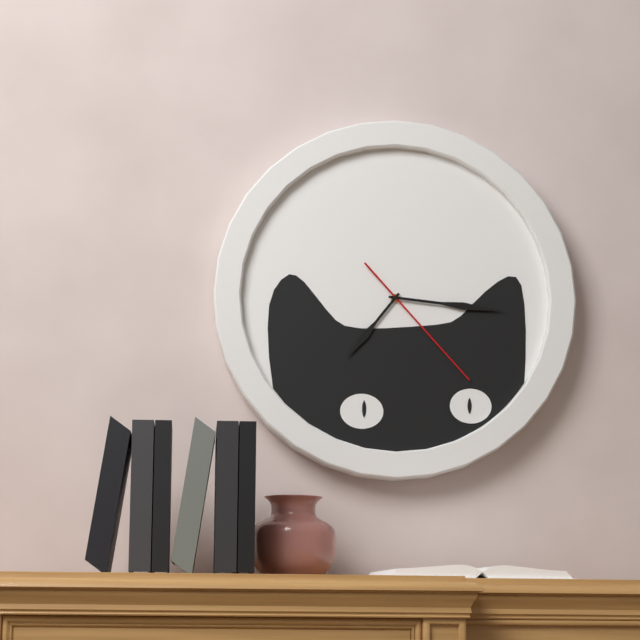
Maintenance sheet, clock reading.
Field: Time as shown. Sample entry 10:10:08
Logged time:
7:16:23
